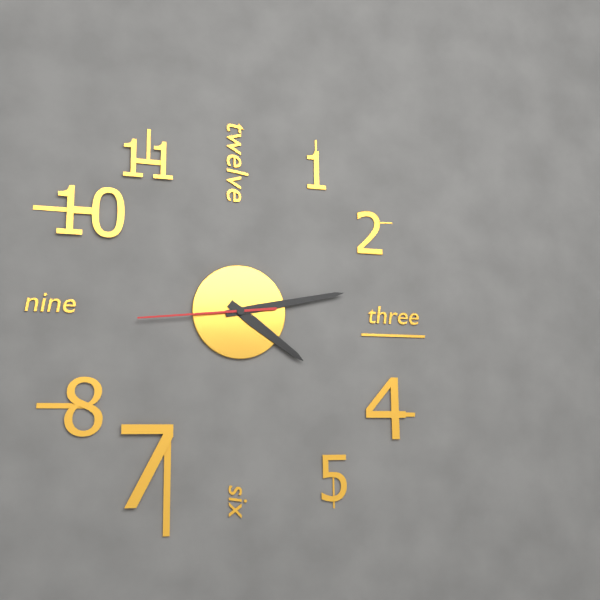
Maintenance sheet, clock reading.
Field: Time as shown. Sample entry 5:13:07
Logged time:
4:13:44
